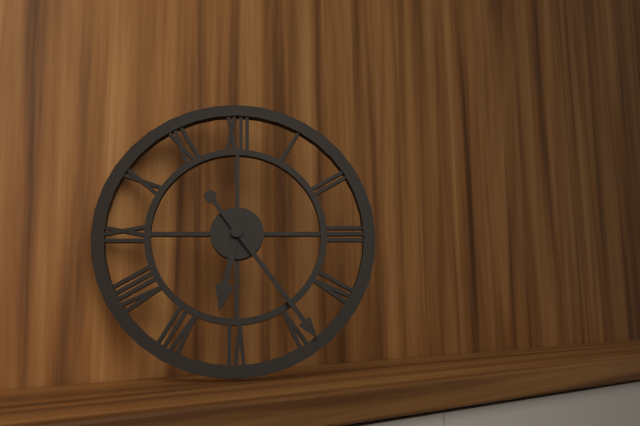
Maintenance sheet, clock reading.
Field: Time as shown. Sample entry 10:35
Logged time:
6:24
